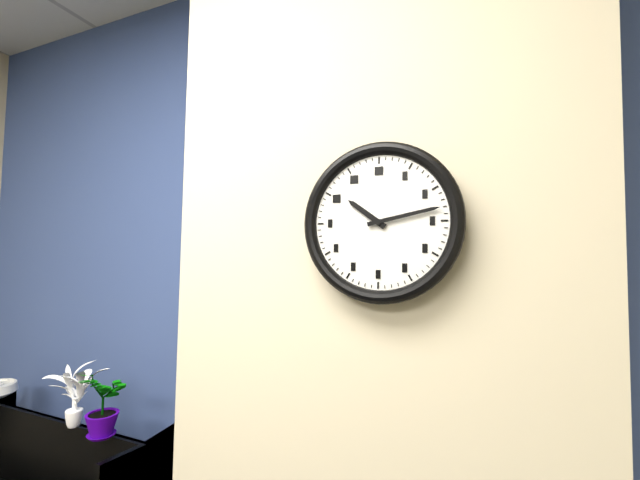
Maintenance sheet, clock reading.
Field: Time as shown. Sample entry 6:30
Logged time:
10:13
